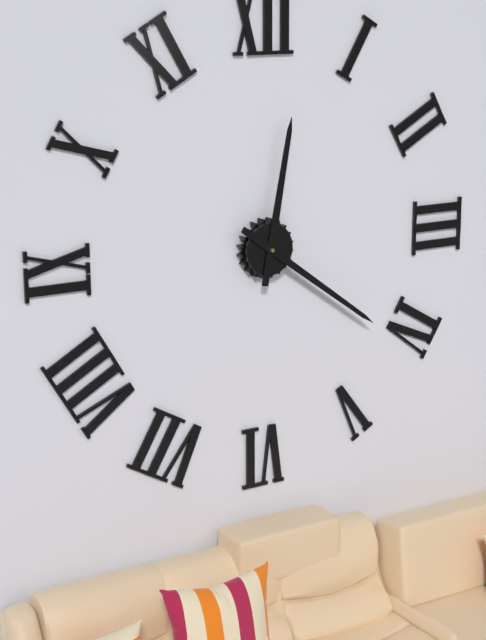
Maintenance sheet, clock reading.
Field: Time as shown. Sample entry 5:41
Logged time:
12:21
